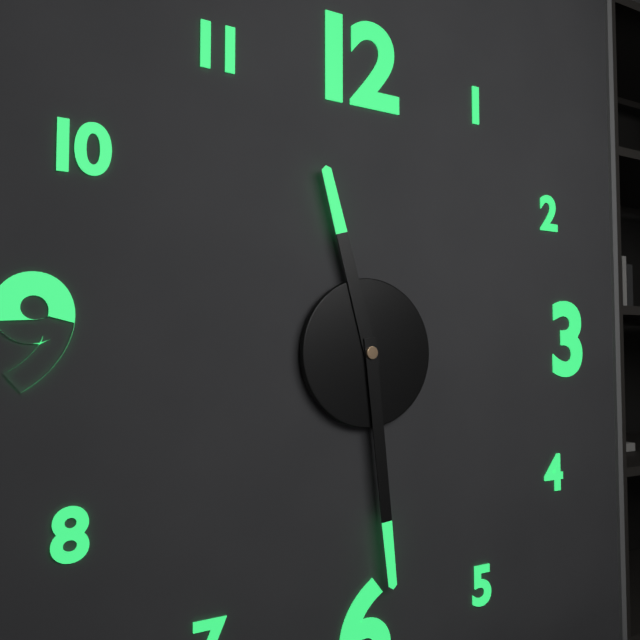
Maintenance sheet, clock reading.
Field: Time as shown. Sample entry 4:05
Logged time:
11:29
